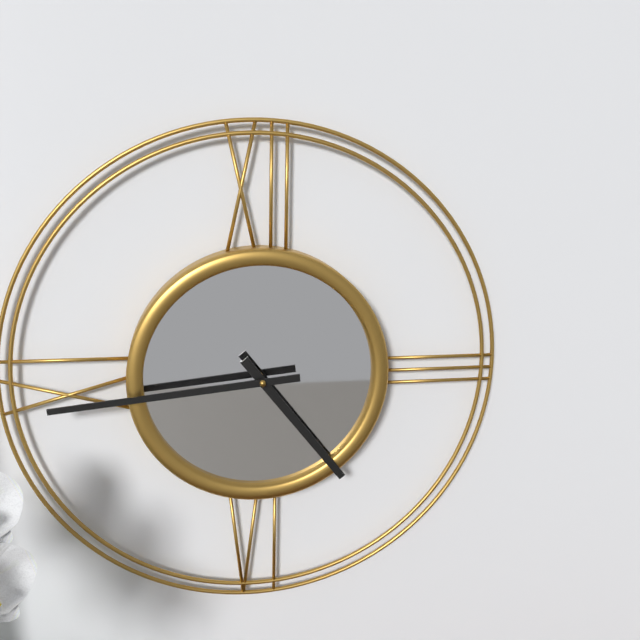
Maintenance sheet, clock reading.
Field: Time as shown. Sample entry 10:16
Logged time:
4:44
